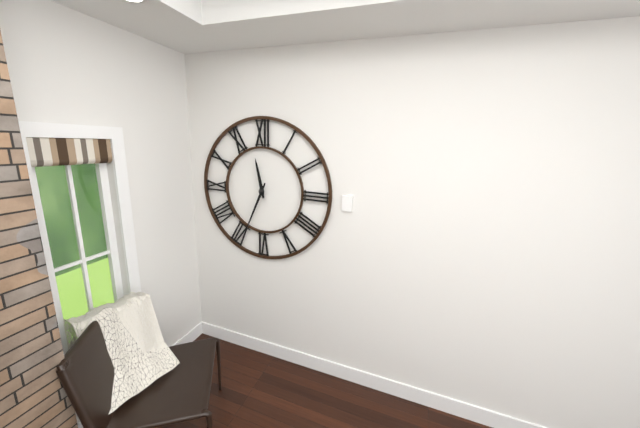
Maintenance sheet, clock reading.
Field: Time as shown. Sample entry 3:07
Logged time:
11:34
